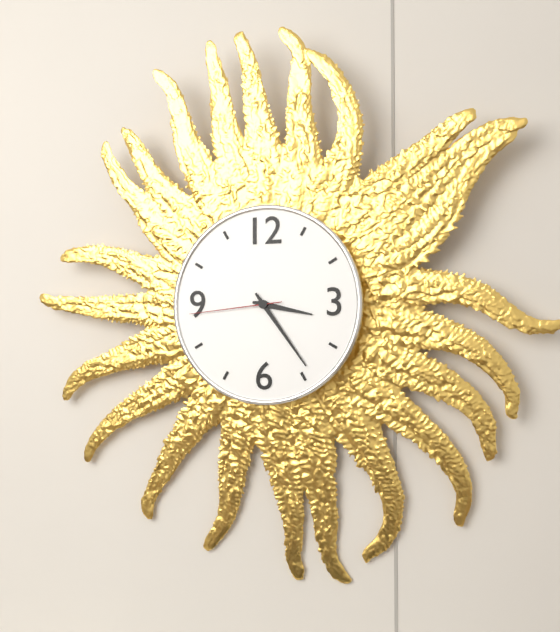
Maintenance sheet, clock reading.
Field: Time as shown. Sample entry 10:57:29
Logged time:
3:24:44
